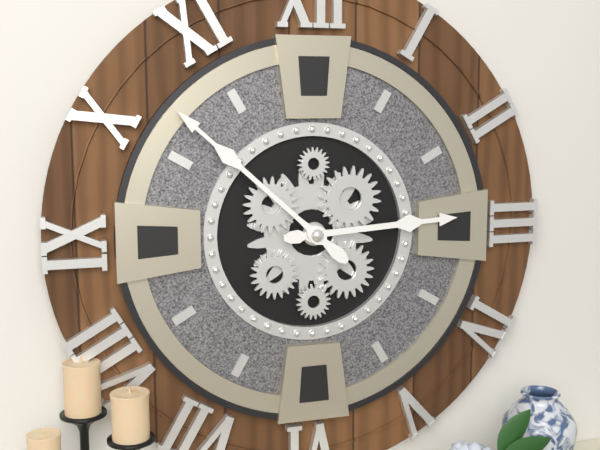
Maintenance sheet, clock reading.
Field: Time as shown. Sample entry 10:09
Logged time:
2:52
